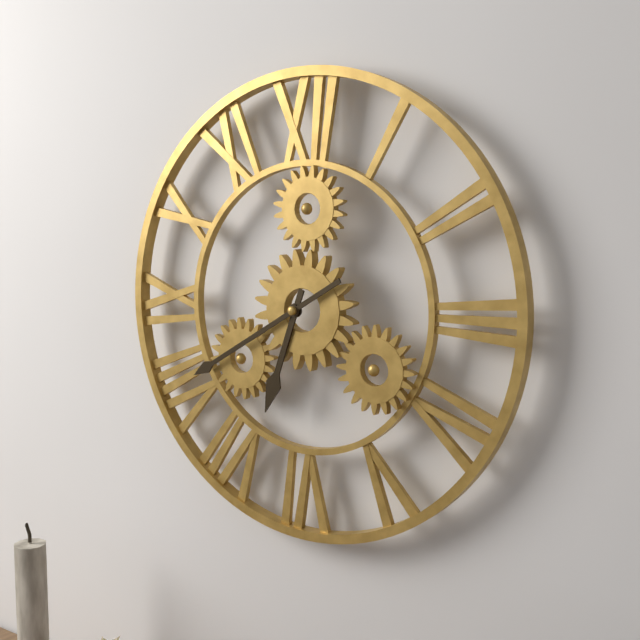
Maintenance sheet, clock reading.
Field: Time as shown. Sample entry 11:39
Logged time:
6:40
